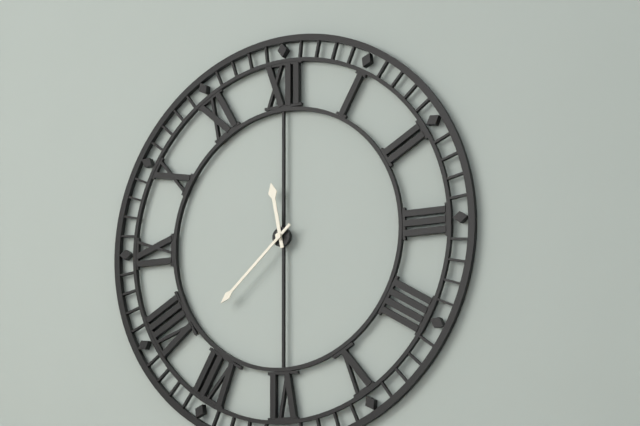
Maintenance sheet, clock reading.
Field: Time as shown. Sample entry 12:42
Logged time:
11:38
